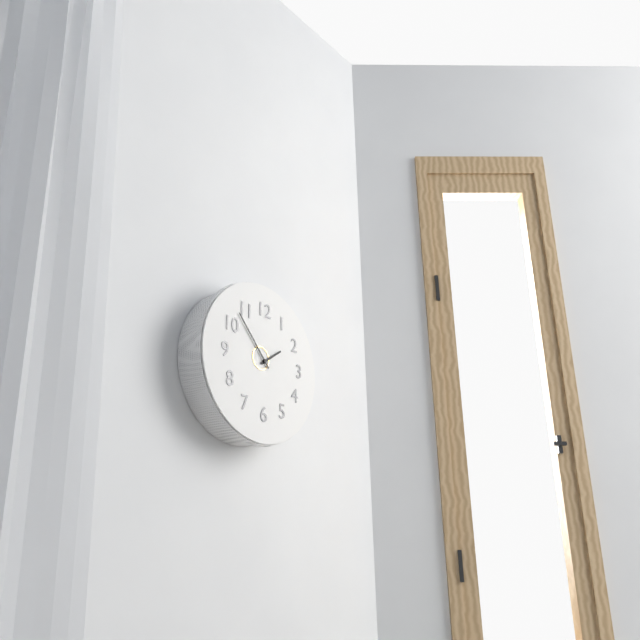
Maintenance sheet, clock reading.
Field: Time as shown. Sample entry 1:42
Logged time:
1:53
